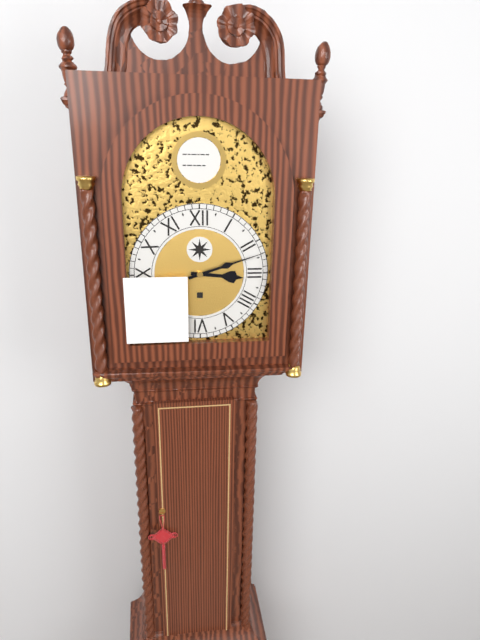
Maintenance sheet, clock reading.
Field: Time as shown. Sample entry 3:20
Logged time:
3:12
